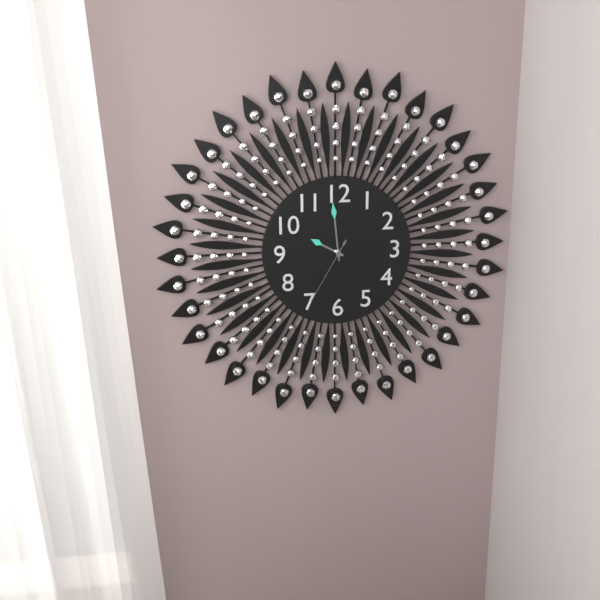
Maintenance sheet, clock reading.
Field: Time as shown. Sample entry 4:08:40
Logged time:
9:59:35
